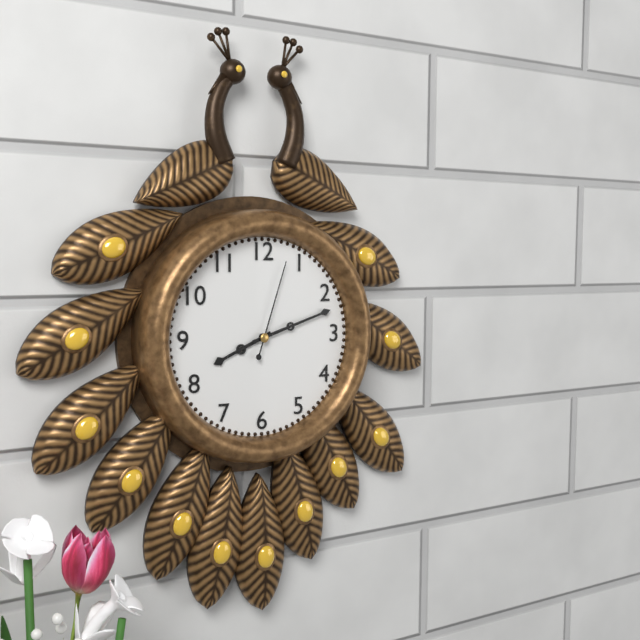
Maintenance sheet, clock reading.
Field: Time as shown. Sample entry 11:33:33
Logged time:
8:12:03
